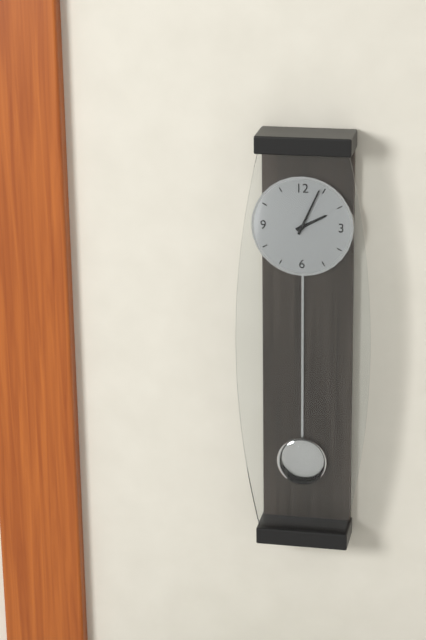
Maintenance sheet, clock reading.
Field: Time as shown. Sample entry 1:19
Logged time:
2:04
